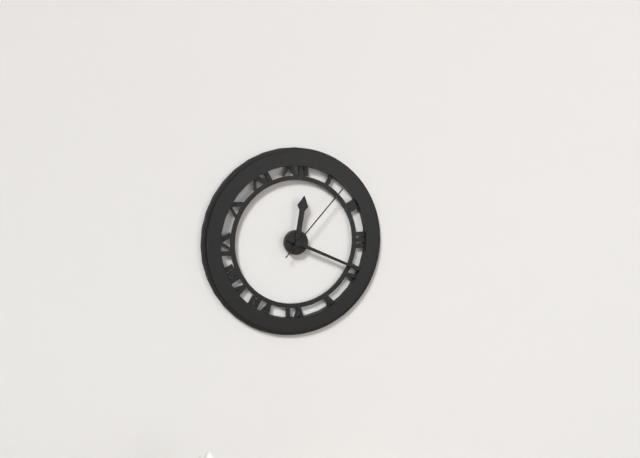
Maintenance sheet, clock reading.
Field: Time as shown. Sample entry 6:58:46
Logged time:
12:19:07
